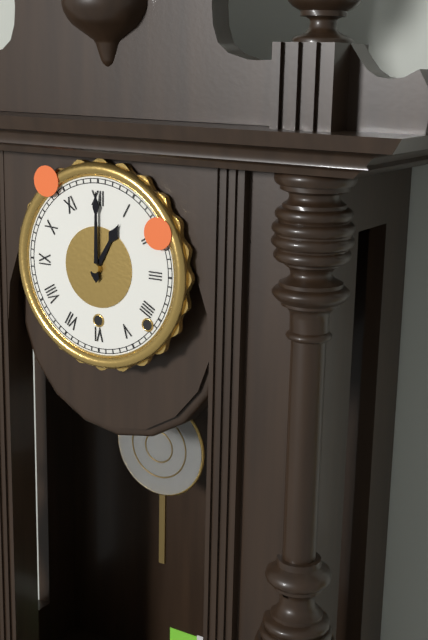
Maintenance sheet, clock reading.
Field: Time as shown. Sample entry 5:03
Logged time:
1:00
